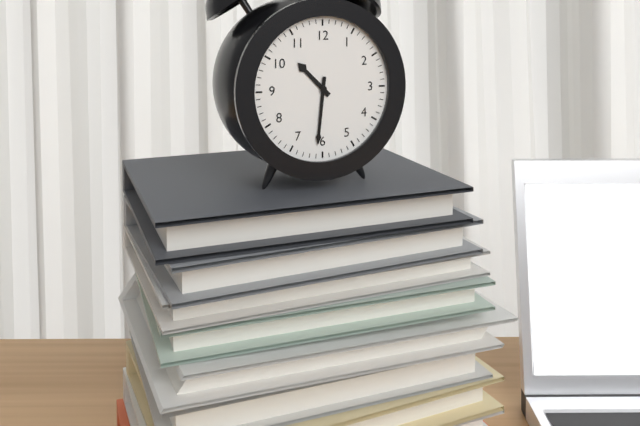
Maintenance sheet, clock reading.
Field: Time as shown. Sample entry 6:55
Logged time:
10:31
